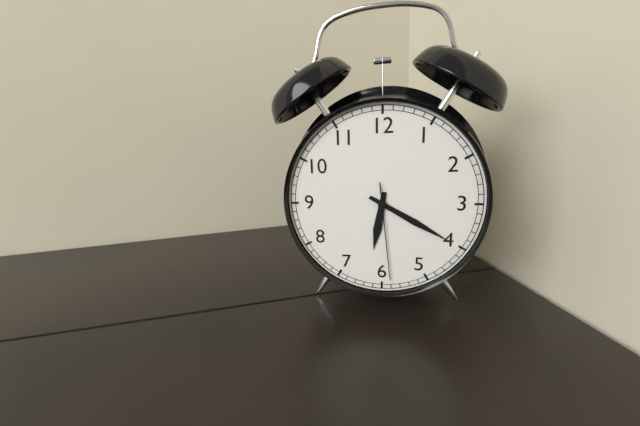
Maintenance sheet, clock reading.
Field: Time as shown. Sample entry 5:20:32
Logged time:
6:20:29
